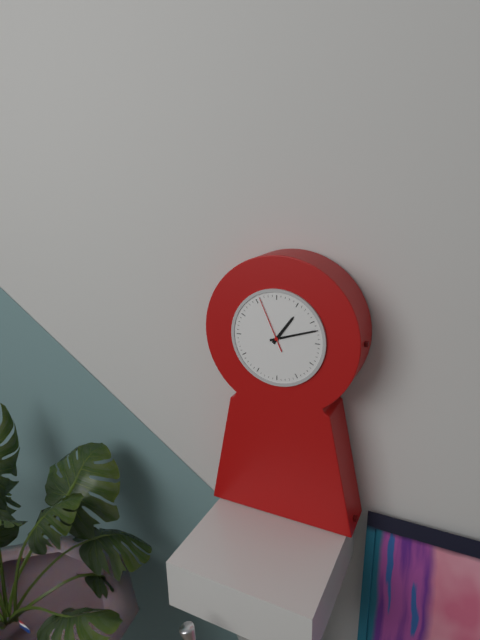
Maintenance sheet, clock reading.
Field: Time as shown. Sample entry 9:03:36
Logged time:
1:12:56
